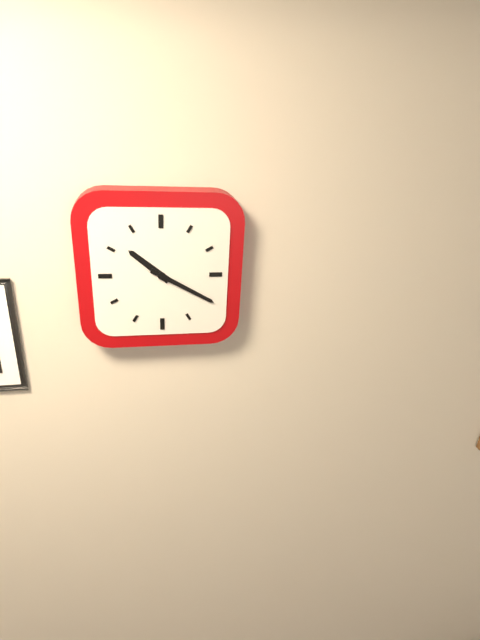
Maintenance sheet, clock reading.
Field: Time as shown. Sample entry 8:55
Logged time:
10:20
